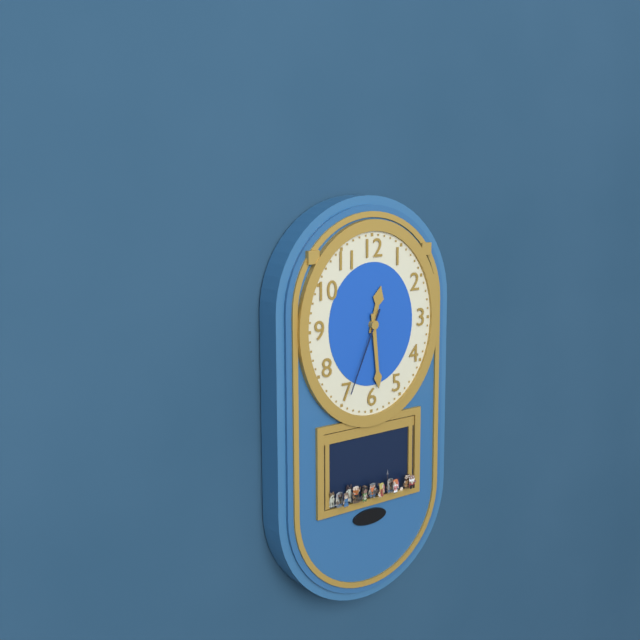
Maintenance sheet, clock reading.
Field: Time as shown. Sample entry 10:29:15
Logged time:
12:29:34
